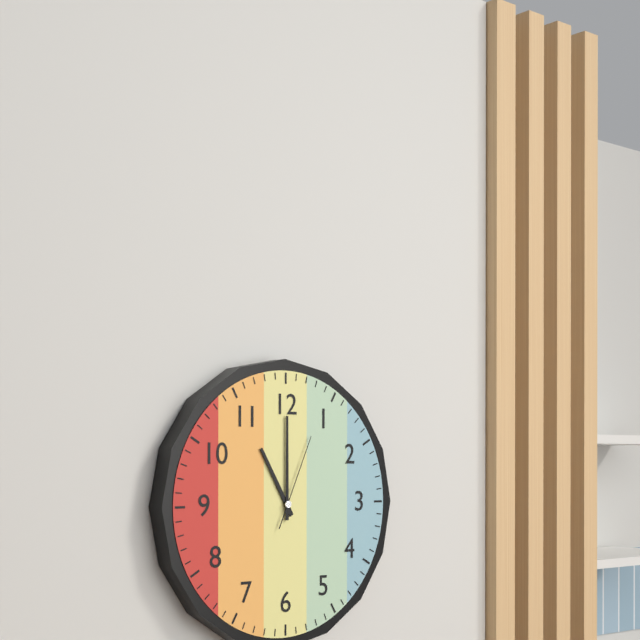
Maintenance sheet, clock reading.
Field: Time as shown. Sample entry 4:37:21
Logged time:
11:00:04
